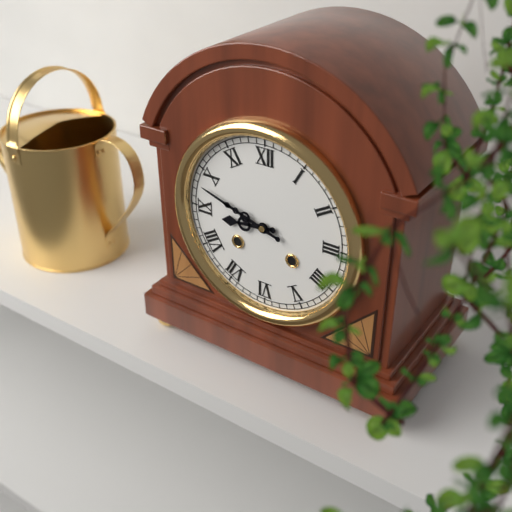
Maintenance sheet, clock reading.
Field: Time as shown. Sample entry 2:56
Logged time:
8:48
